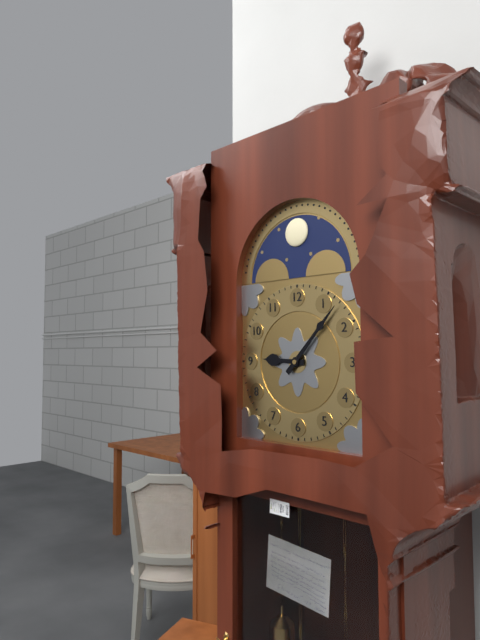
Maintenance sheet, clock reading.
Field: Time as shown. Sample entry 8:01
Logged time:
9:07
